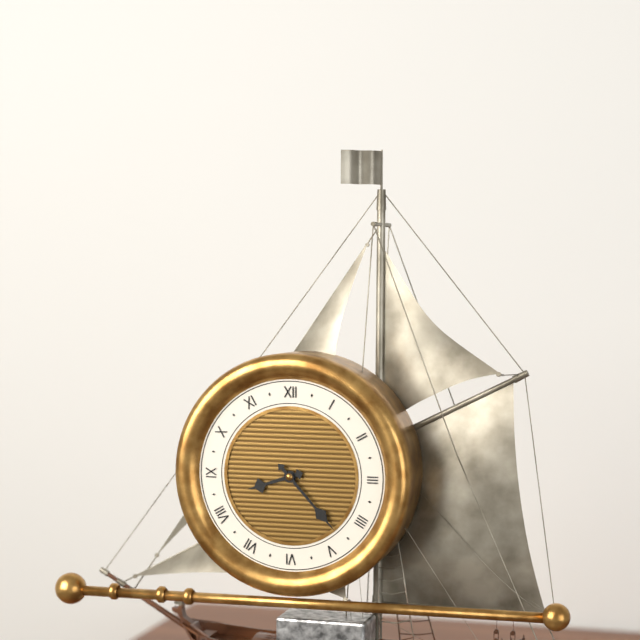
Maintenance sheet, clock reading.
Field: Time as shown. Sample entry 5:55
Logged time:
8:23
